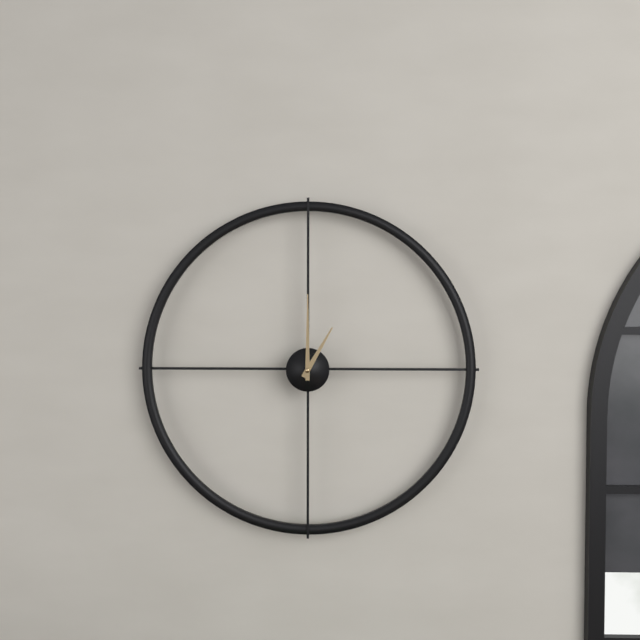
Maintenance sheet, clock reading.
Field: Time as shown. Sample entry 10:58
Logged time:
1:00
